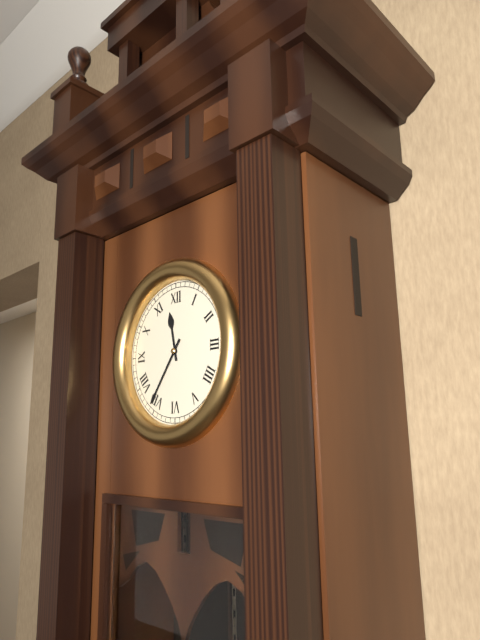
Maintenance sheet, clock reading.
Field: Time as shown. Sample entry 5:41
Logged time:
11:36
